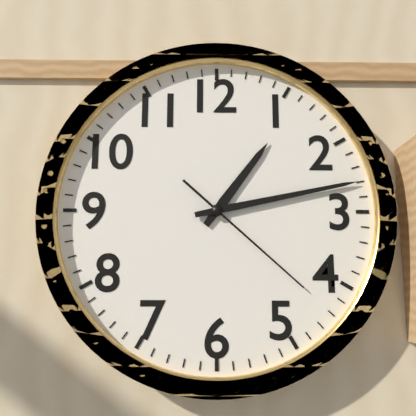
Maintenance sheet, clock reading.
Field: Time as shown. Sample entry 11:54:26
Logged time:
1:13:22
